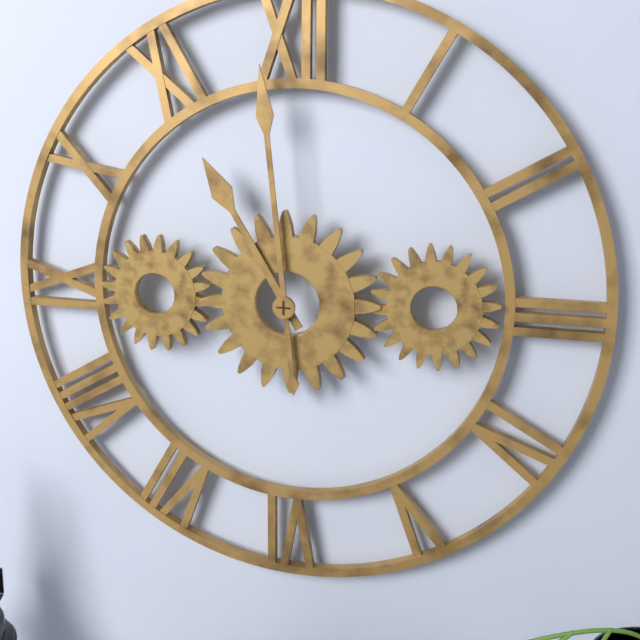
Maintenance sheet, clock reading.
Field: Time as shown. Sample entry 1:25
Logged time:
10:59
